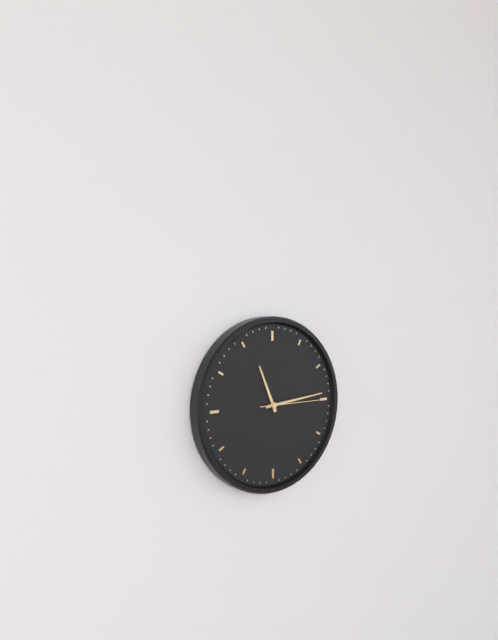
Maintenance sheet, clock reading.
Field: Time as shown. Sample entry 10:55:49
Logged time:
11:14:15
